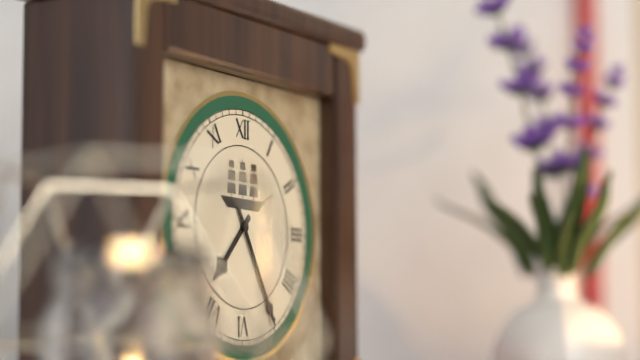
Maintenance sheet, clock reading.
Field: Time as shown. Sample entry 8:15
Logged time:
7:25
